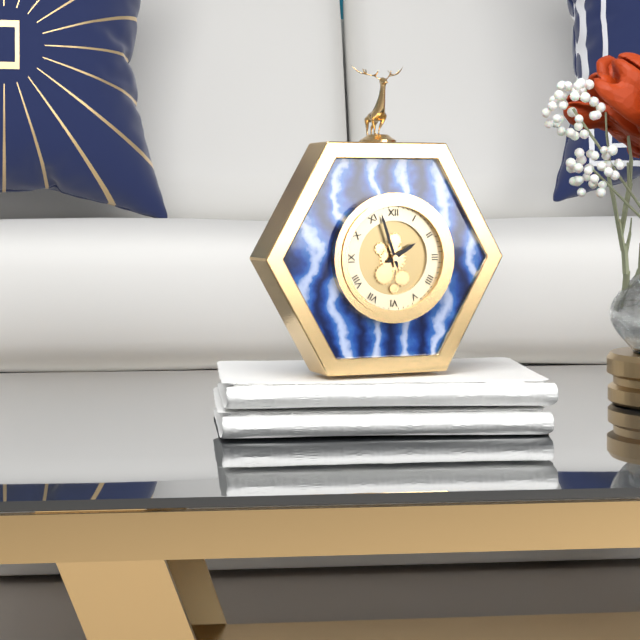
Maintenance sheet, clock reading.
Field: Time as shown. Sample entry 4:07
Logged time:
1:57
